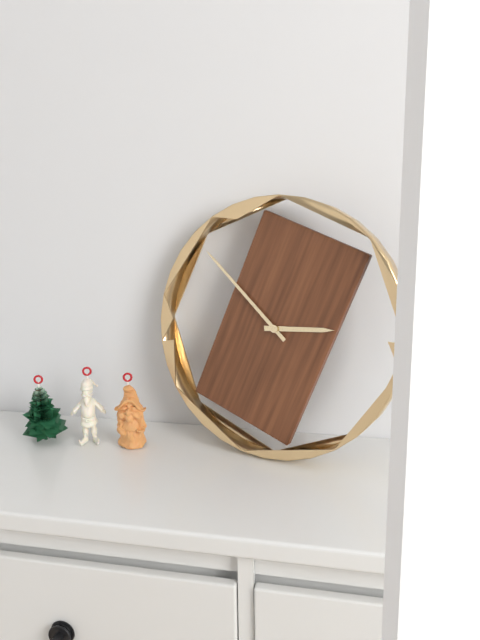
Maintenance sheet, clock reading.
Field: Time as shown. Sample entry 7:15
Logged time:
2:52
